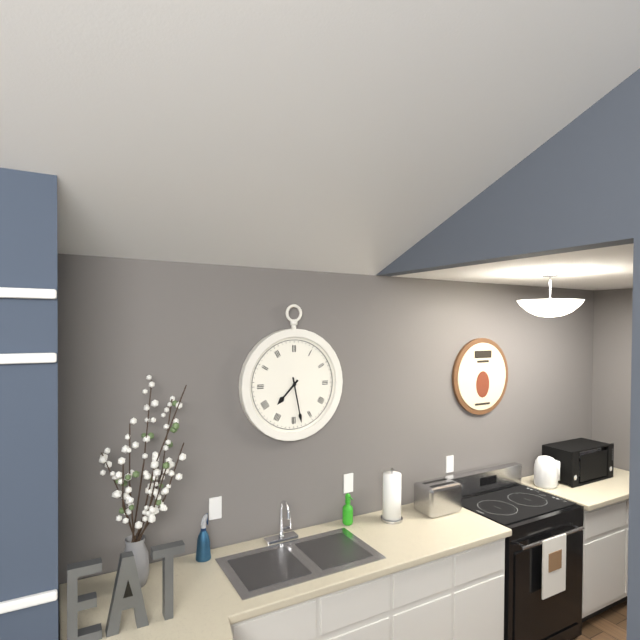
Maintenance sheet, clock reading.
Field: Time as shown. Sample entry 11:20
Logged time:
7:28
